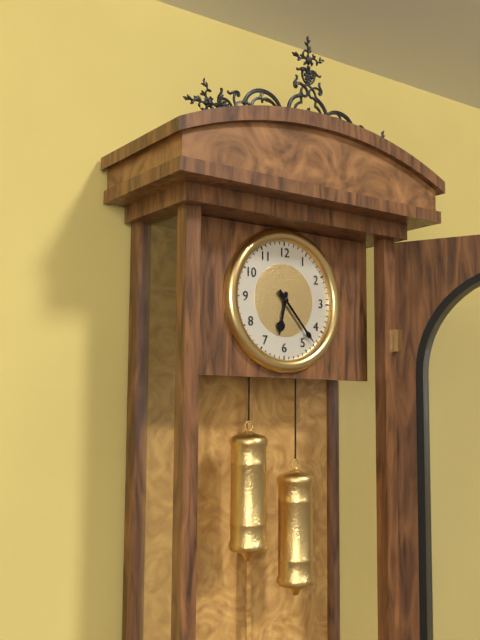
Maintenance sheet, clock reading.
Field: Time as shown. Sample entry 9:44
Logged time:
6:23
